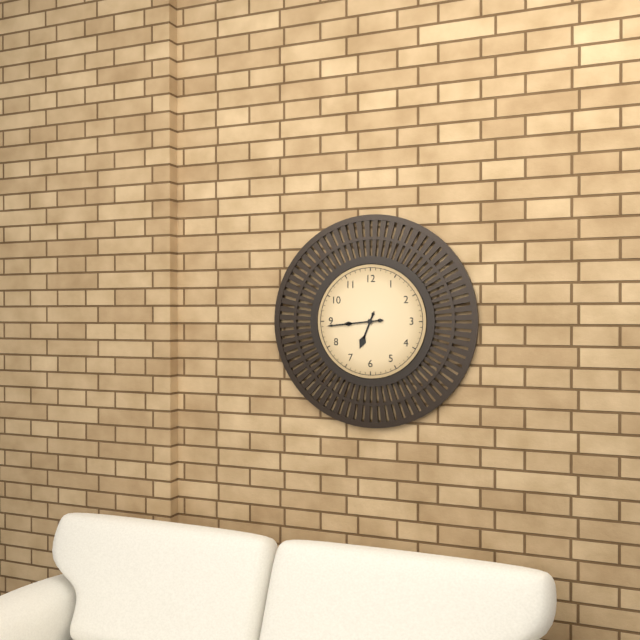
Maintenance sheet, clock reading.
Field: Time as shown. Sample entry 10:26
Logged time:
6:44
